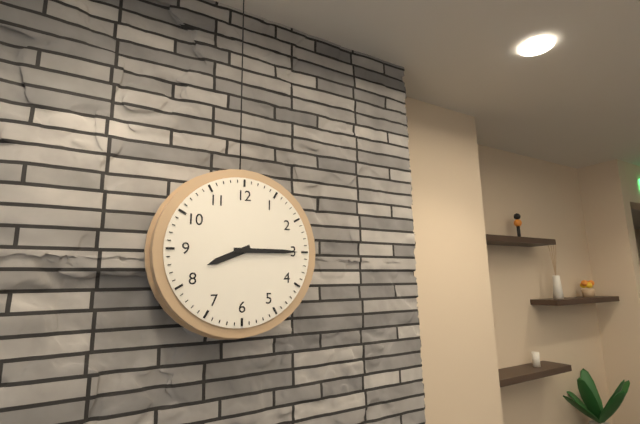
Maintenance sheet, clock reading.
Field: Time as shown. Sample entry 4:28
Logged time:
8:15
